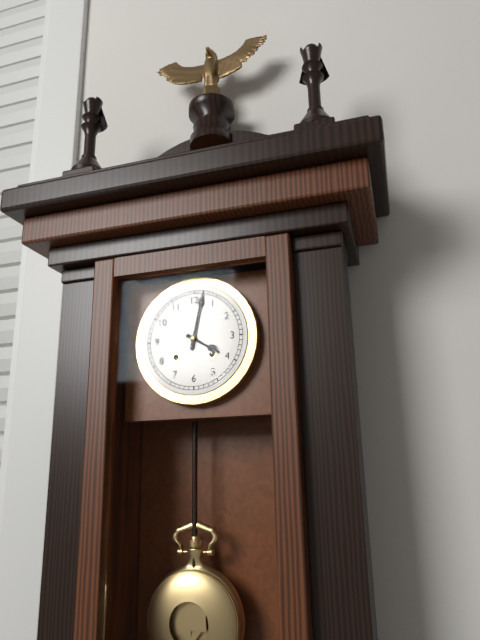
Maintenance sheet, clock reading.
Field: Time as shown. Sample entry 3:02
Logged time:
4:02
